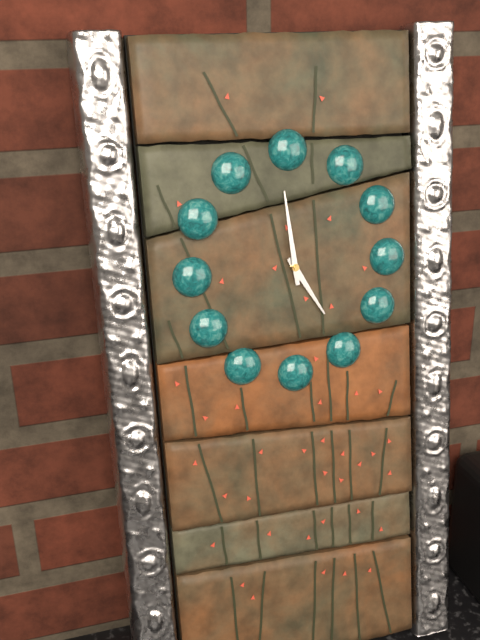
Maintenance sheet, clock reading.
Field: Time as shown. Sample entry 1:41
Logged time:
4:59
